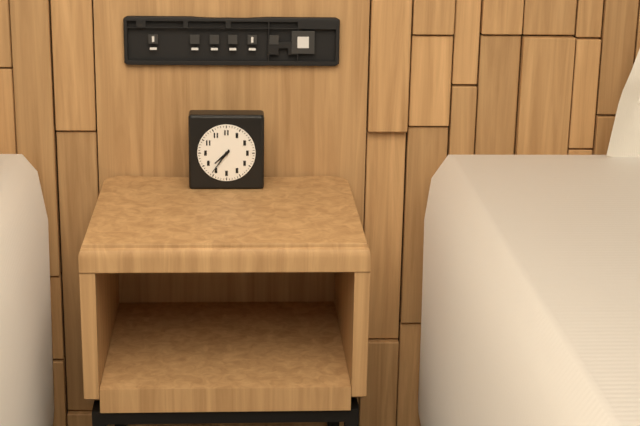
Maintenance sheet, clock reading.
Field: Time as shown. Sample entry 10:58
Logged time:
7:36
